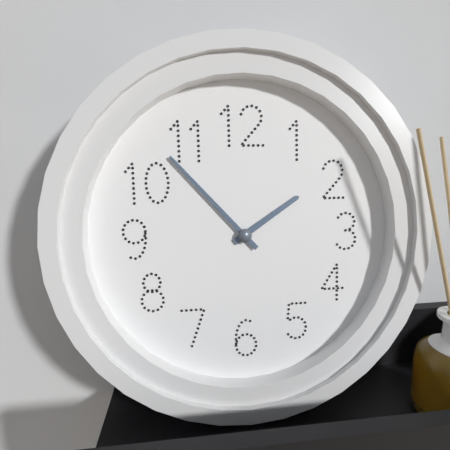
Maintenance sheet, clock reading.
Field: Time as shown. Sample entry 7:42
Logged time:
1:53
